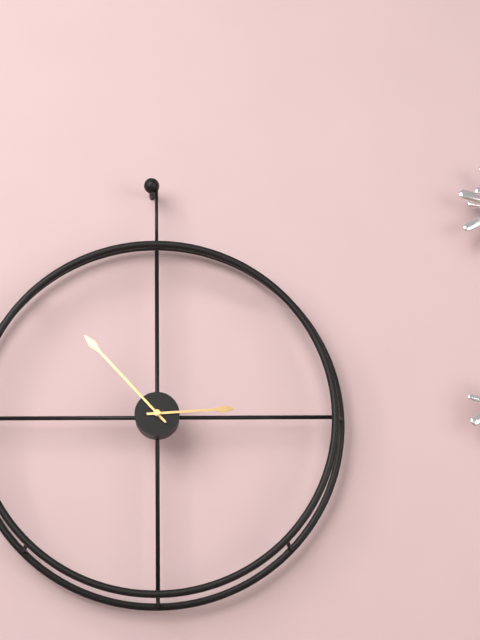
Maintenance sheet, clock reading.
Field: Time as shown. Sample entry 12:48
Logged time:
2:53
